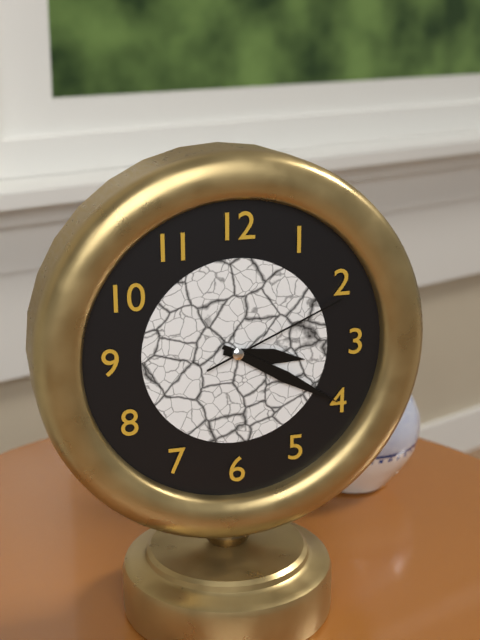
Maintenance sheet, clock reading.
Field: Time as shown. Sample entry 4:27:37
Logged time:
3:20:11
